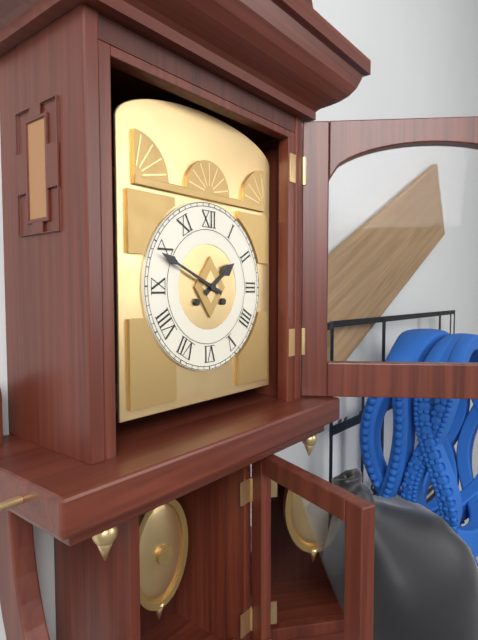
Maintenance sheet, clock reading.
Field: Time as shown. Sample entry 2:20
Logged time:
1:49
